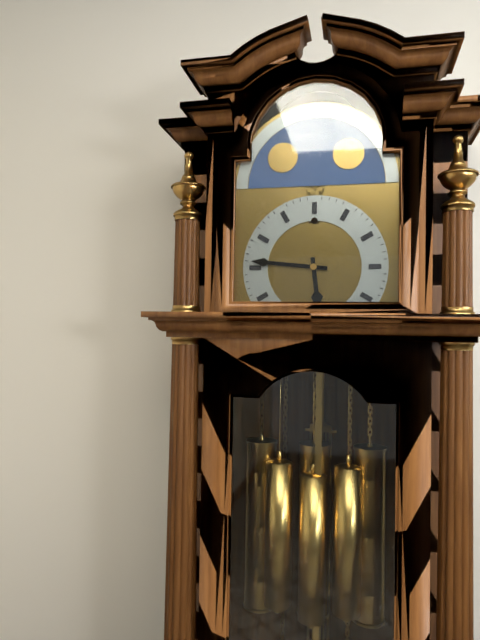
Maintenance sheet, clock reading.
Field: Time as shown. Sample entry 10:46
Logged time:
5:46
